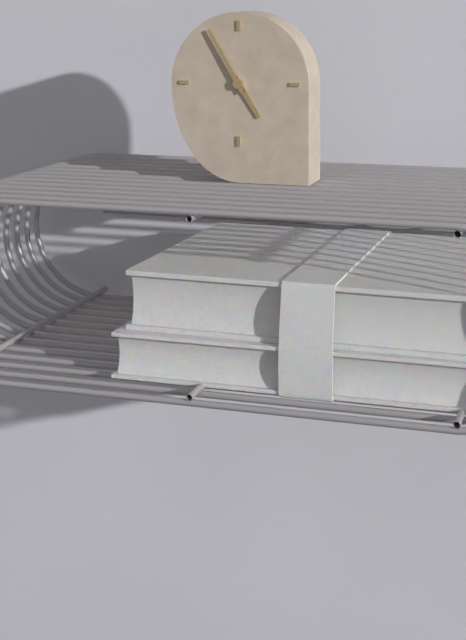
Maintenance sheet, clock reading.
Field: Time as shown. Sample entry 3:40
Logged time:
4:55
